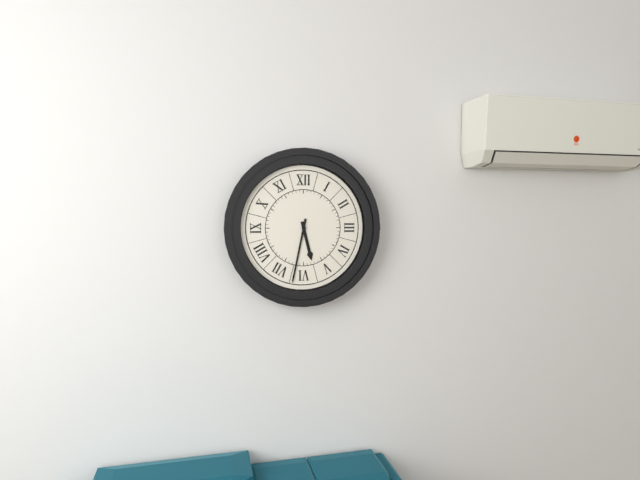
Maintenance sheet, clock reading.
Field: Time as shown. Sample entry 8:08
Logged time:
5:32
